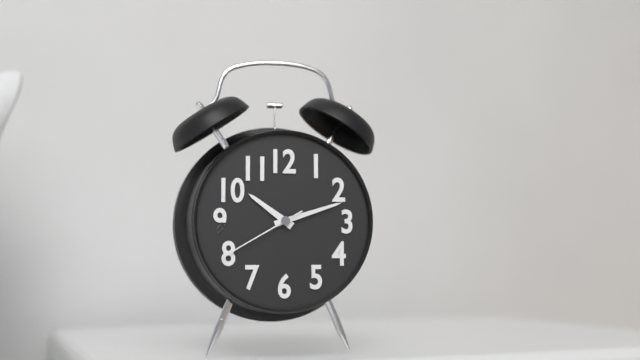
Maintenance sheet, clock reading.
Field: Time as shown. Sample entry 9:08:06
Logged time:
10:12:40
